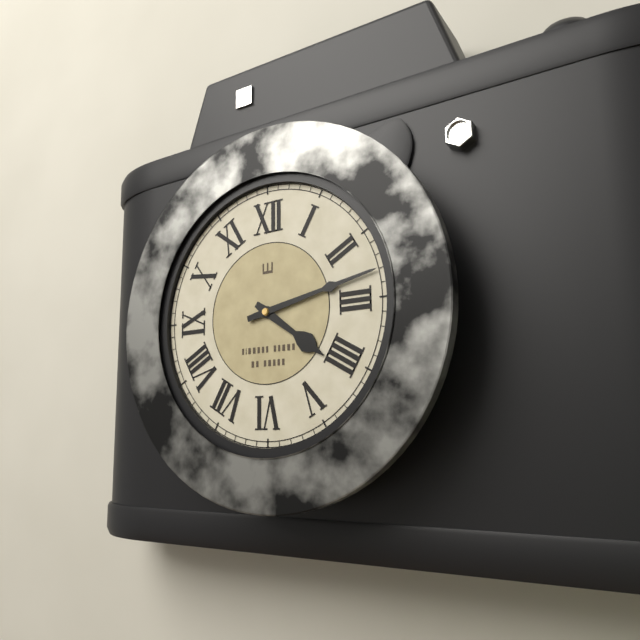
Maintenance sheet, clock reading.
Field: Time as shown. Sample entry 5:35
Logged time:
4:13
